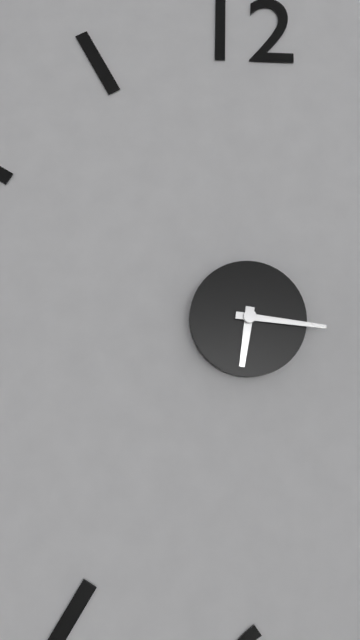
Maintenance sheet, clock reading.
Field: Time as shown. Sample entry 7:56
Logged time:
6:16
